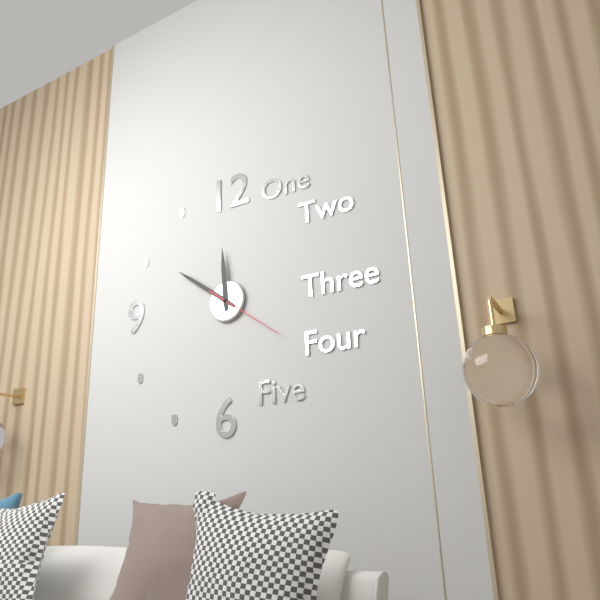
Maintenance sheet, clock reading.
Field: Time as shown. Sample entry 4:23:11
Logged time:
11:51:21
